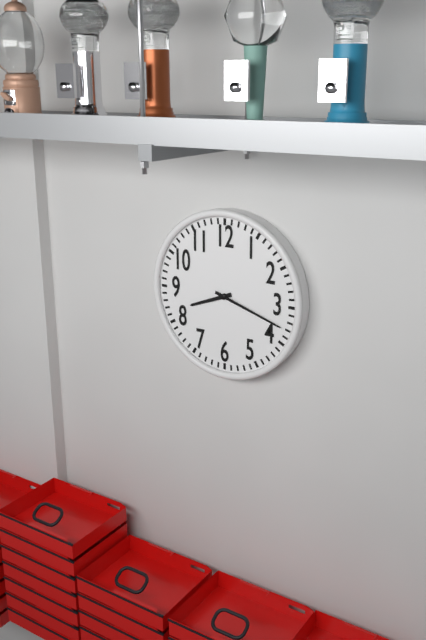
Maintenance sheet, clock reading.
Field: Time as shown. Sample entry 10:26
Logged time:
8:18
